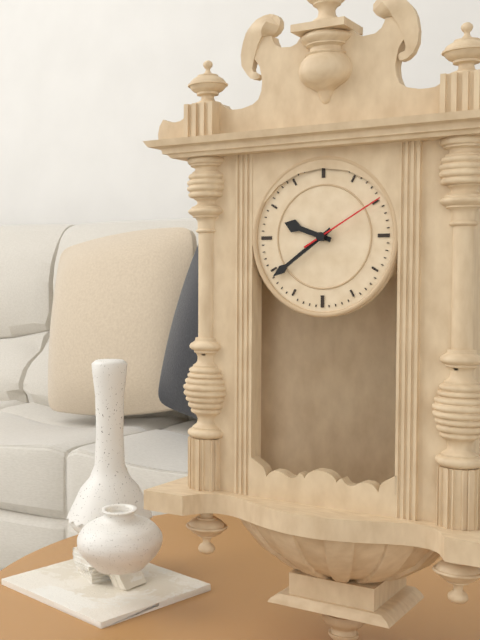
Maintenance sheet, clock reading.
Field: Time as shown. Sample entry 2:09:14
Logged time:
9:39:10
